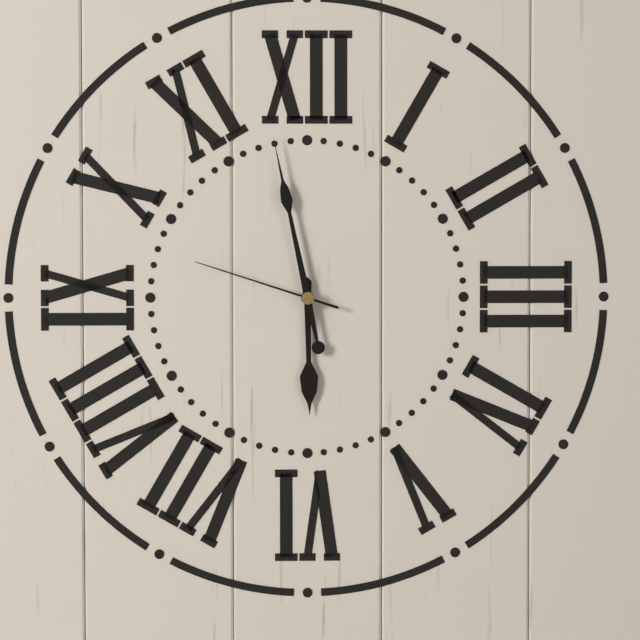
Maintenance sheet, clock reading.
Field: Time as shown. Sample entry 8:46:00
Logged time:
5:58:48
